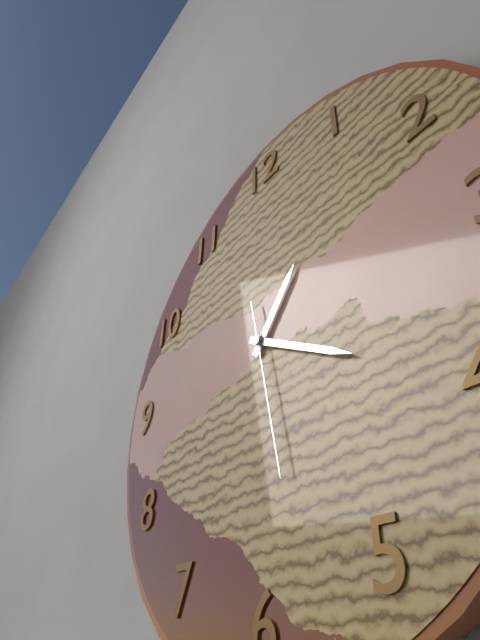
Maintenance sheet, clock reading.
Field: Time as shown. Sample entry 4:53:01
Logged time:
1:20:28
